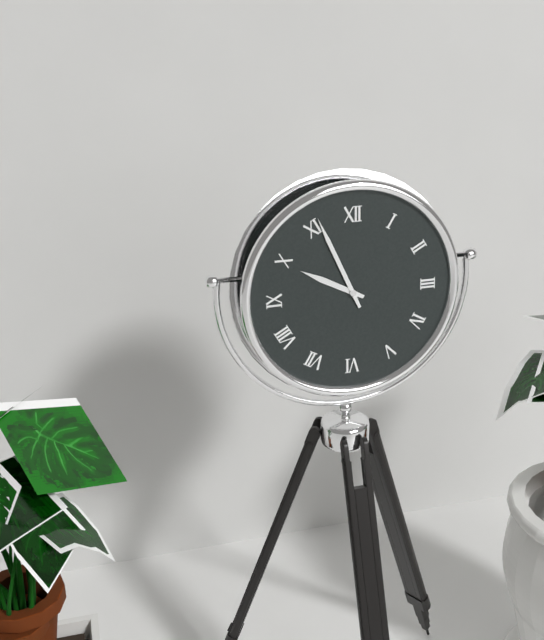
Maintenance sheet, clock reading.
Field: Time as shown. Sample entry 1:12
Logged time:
9:56
